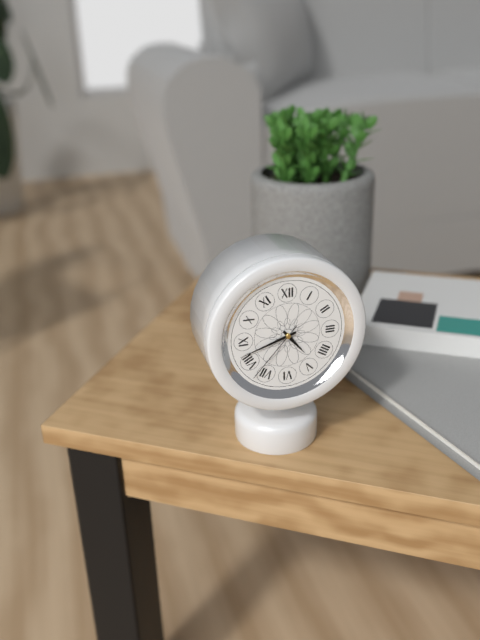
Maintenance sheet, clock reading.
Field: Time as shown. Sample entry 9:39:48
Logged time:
4:42:37
